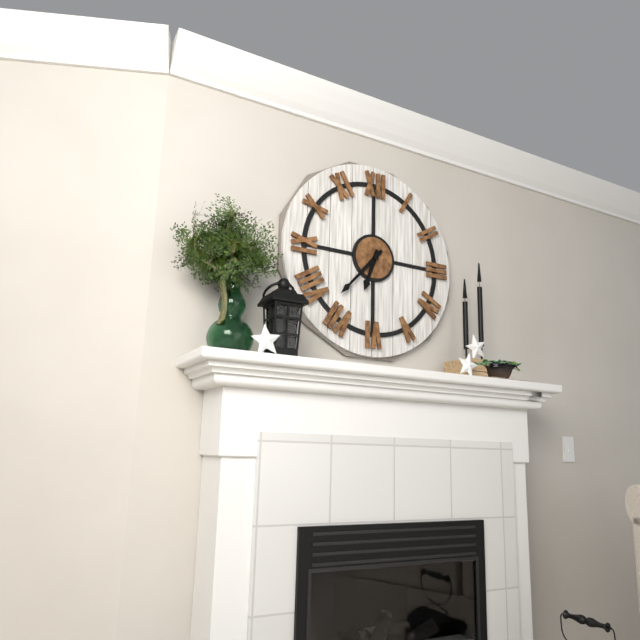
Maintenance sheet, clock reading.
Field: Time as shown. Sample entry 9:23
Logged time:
6:37
